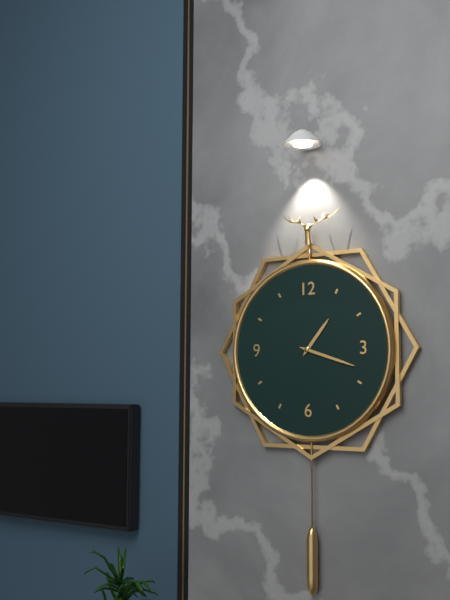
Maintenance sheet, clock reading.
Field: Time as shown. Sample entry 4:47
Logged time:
1:18
